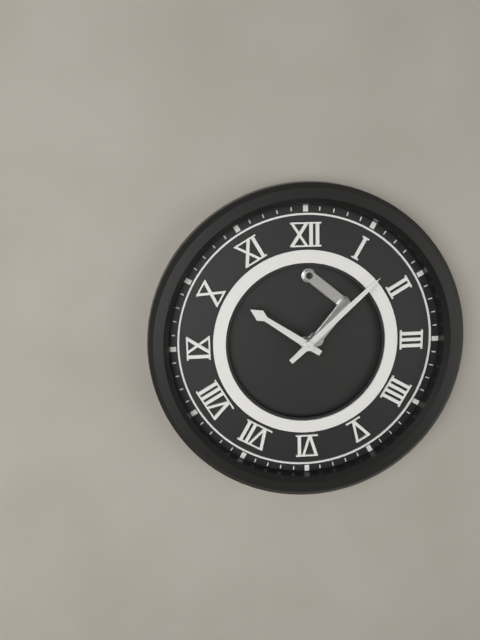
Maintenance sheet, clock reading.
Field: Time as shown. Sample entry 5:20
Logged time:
10:08
